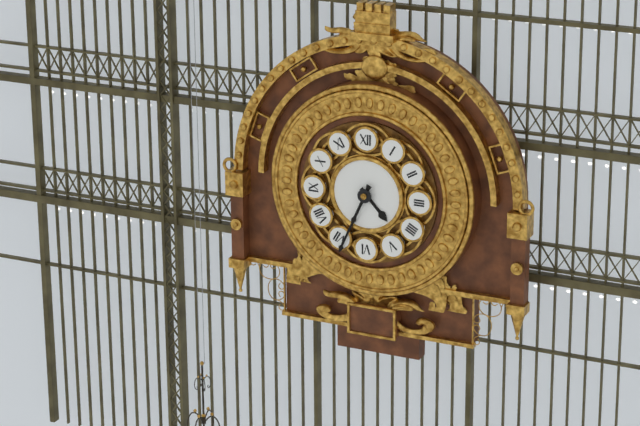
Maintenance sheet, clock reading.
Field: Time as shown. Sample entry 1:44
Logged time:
4:34
